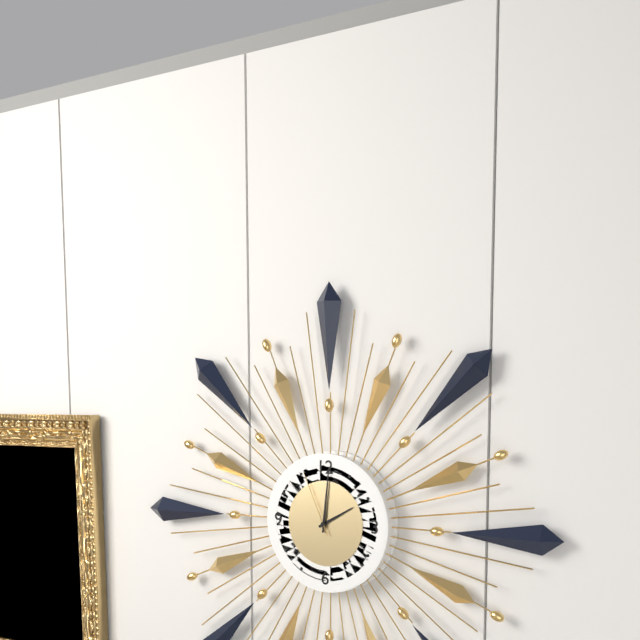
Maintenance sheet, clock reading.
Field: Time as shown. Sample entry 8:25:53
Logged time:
2:01:56
